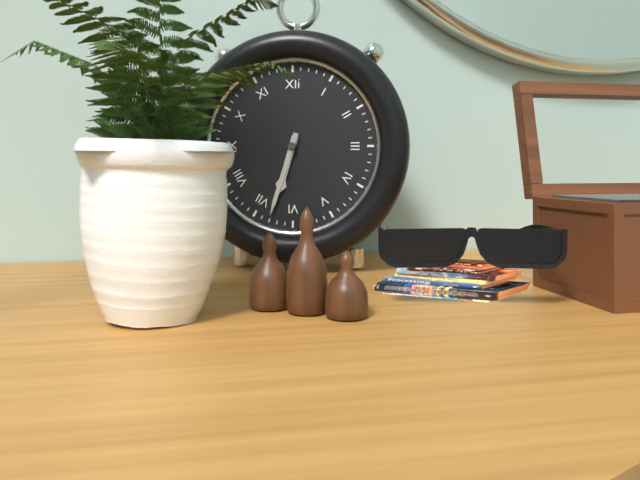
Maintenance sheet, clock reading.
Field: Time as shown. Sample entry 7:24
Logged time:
6:33
